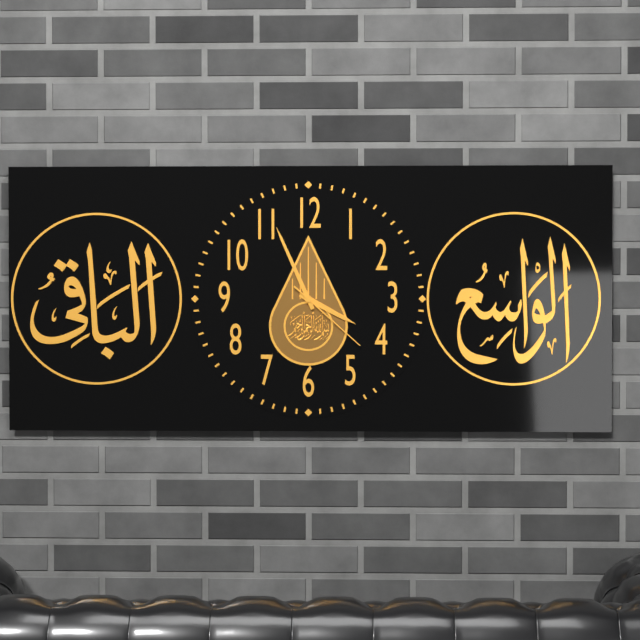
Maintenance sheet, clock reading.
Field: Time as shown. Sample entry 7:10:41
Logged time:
3:56:22
